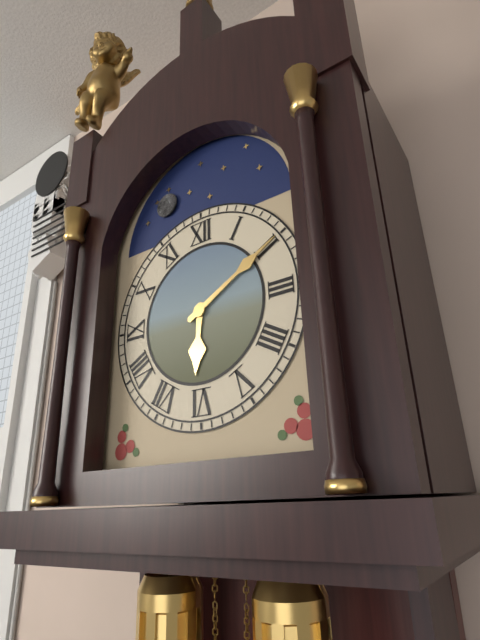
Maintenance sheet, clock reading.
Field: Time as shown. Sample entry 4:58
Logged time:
6:10
